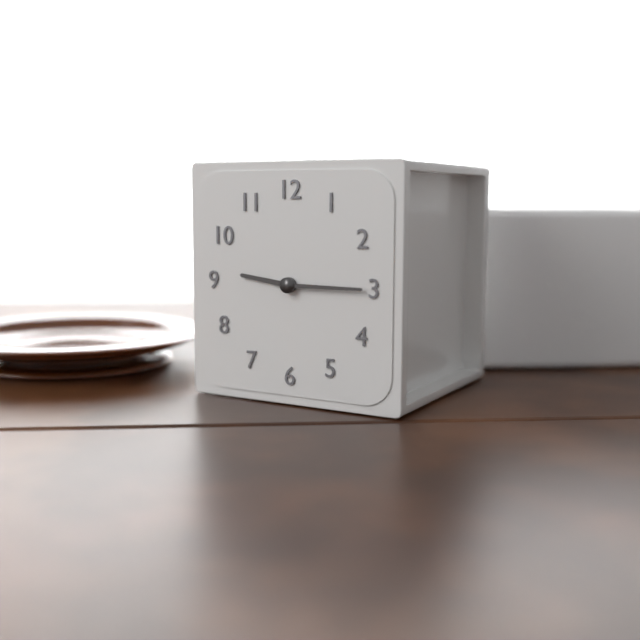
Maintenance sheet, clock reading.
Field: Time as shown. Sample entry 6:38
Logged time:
9:15
